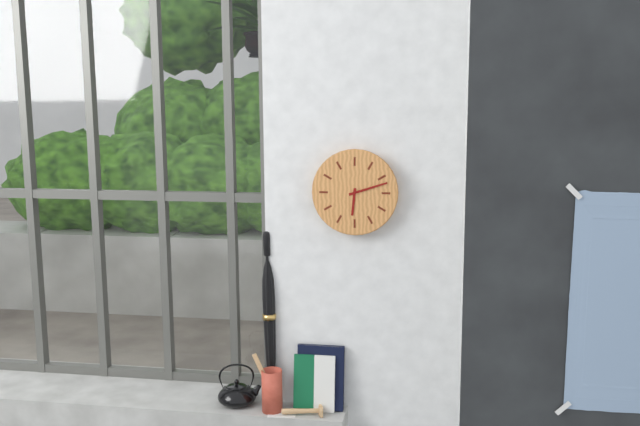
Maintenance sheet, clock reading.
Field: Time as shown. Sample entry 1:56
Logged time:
6:12
